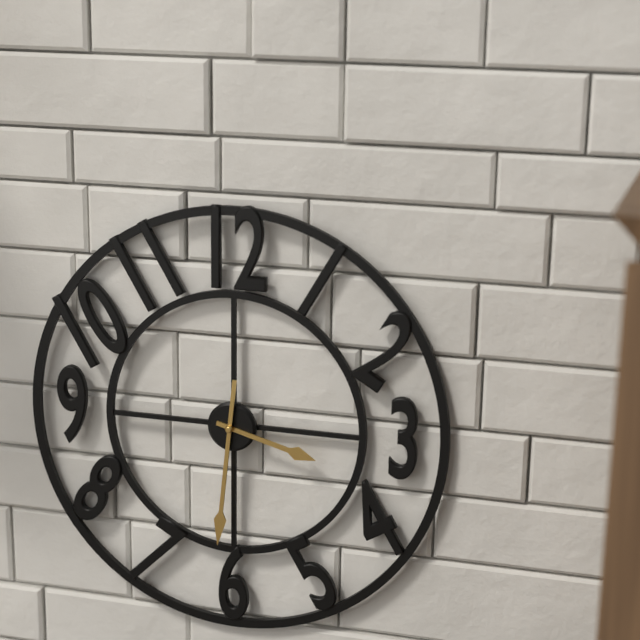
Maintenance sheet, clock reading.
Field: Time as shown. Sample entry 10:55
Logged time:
3:31
